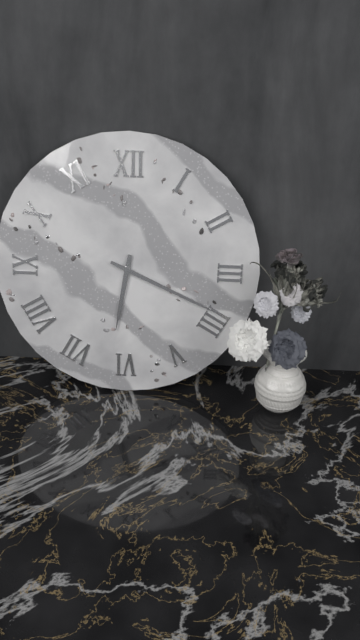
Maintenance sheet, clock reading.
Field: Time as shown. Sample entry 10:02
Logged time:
6:19
